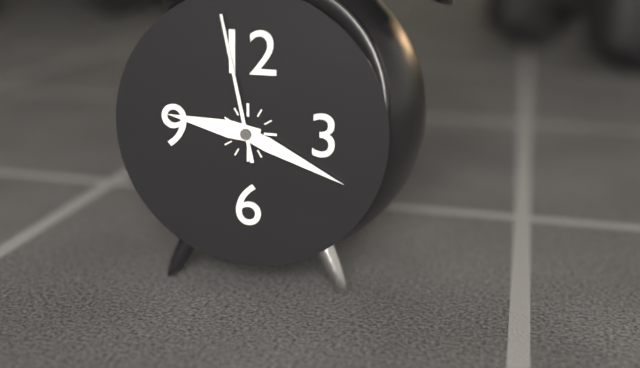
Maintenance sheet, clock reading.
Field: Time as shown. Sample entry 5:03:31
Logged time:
9:19:58
